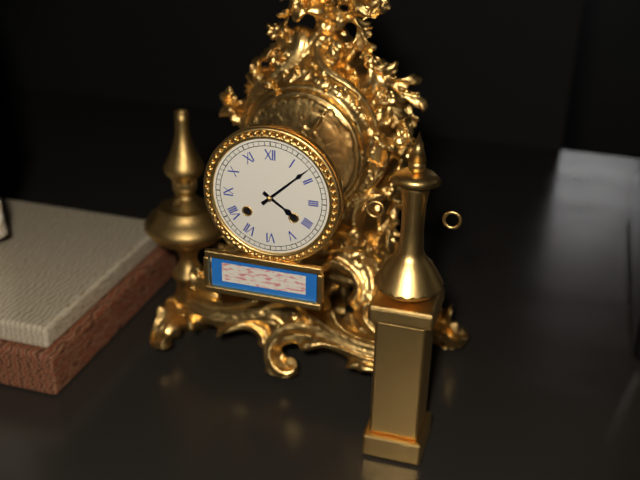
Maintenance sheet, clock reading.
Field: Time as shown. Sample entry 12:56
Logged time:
4:08
